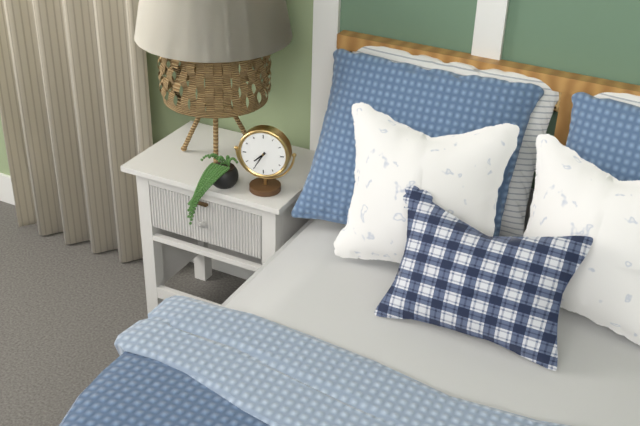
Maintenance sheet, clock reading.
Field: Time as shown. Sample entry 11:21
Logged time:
7:35
